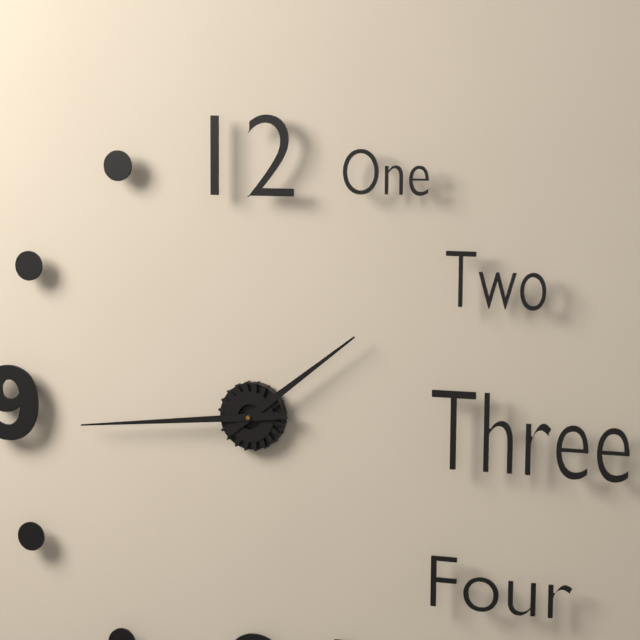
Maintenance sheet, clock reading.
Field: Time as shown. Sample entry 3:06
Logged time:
1:44
